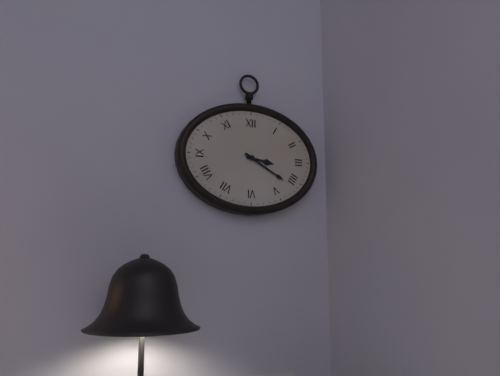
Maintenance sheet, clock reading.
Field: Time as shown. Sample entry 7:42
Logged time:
3:20
